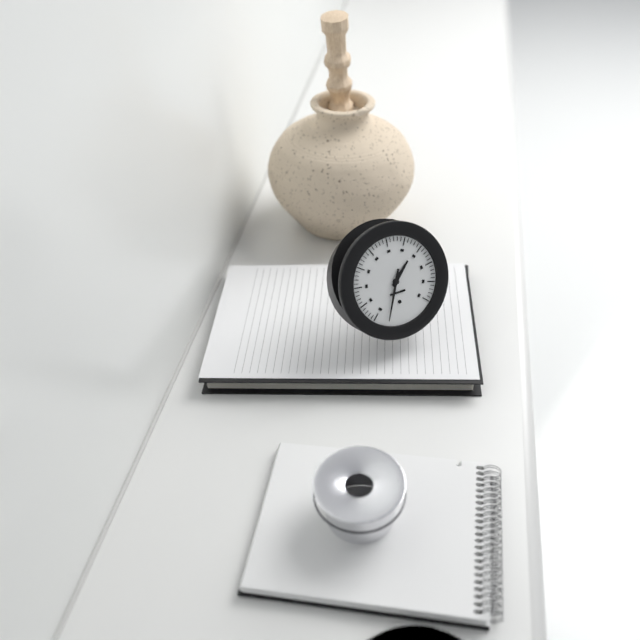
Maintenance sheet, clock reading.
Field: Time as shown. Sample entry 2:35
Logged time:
1:34
